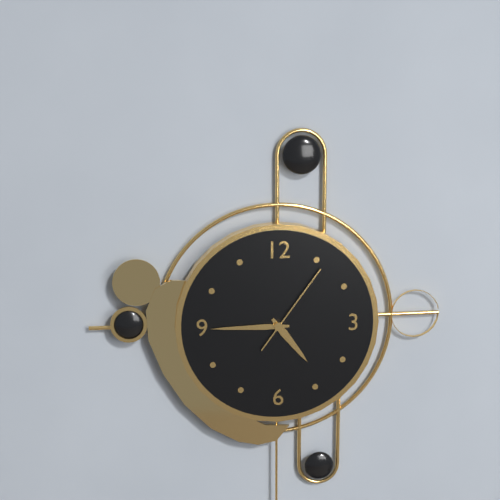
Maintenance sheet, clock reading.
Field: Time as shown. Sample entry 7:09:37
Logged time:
4:45:06
